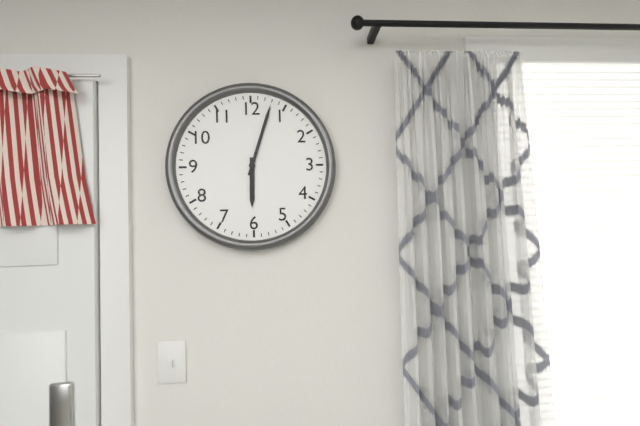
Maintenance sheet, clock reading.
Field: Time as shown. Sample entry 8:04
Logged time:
6:03
